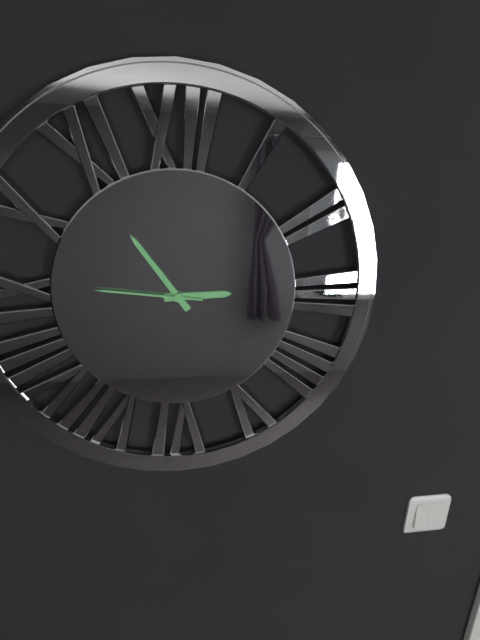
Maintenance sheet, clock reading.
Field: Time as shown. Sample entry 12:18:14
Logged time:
2:54:46
